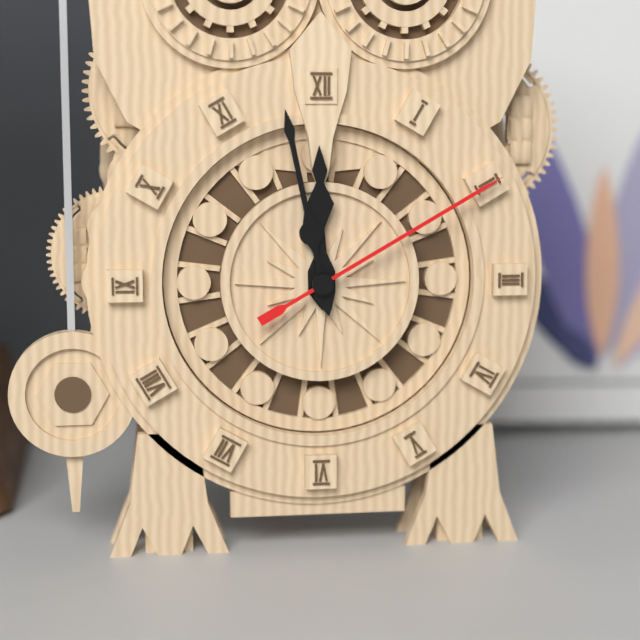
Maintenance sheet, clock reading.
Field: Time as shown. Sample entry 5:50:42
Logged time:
11:58:10
